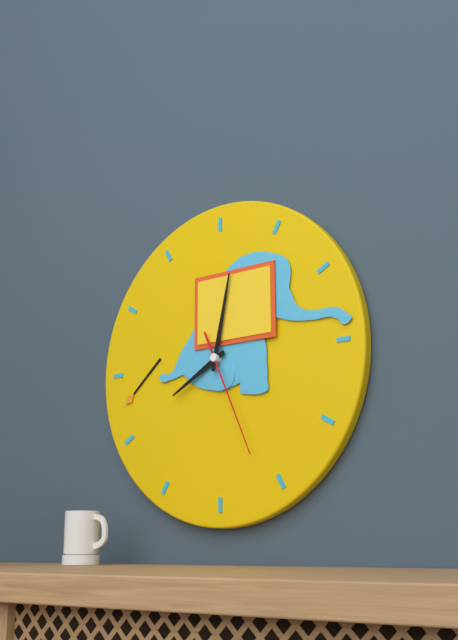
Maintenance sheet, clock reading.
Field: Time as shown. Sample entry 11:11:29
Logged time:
8:02:26
